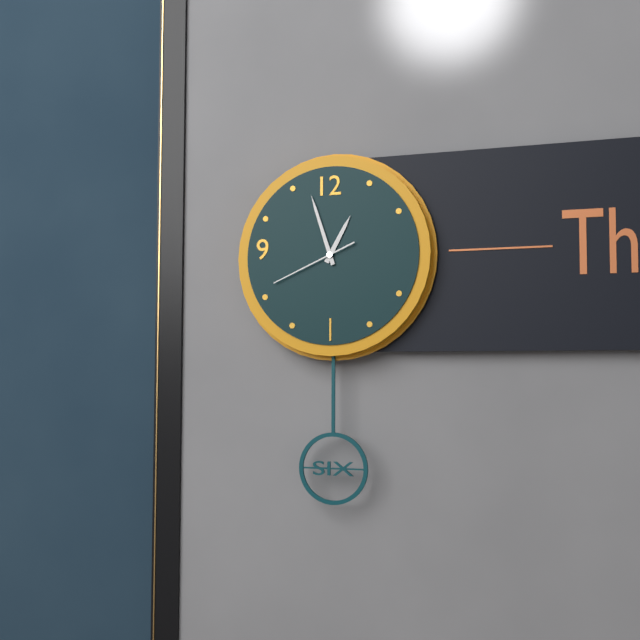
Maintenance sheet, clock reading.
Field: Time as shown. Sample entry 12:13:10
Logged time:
12:57:41
